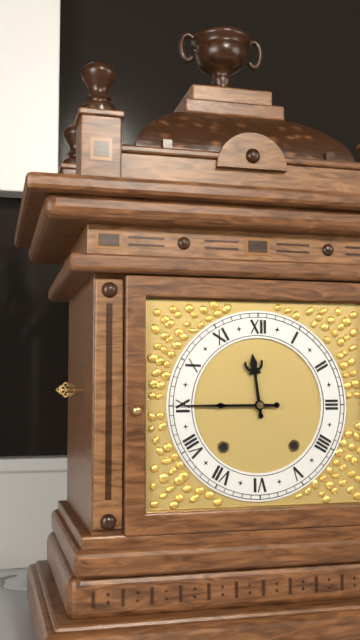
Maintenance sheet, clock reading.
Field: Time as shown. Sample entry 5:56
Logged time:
11:45
